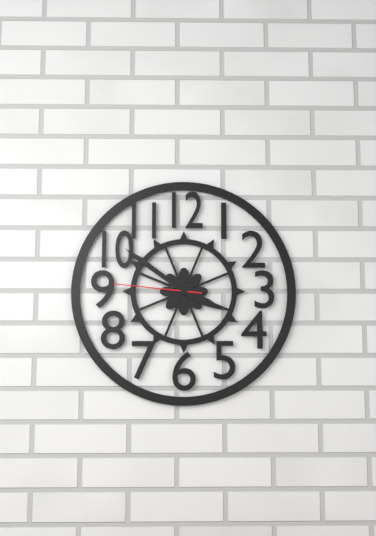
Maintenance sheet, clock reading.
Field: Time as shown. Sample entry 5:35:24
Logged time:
3:51:46
